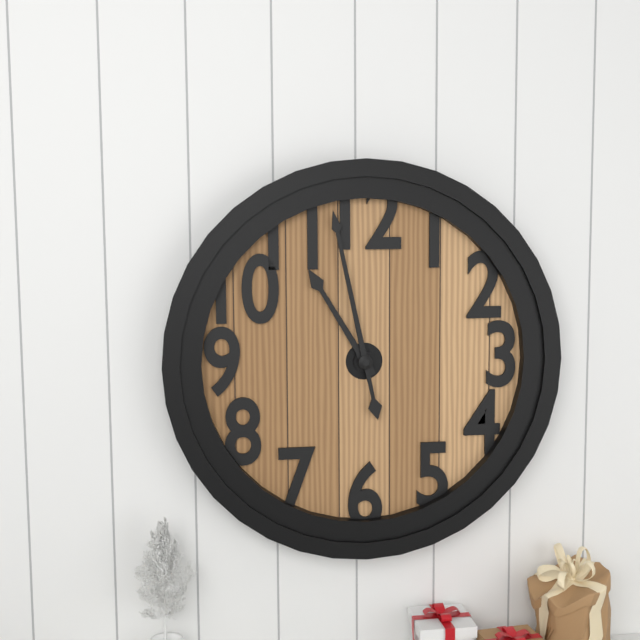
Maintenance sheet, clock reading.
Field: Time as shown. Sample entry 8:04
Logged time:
10:58
